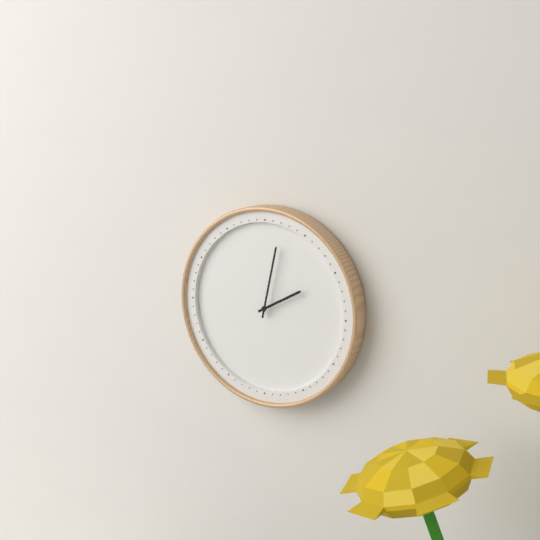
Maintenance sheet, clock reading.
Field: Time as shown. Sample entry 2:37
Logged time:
2:02
